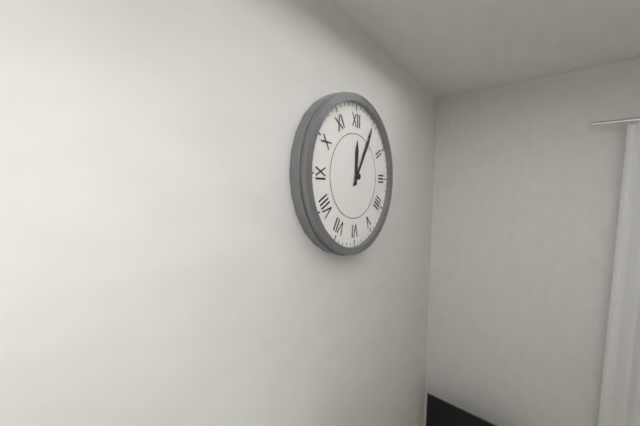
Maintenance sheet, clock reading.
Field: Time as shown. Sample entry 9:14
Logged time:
12:05
